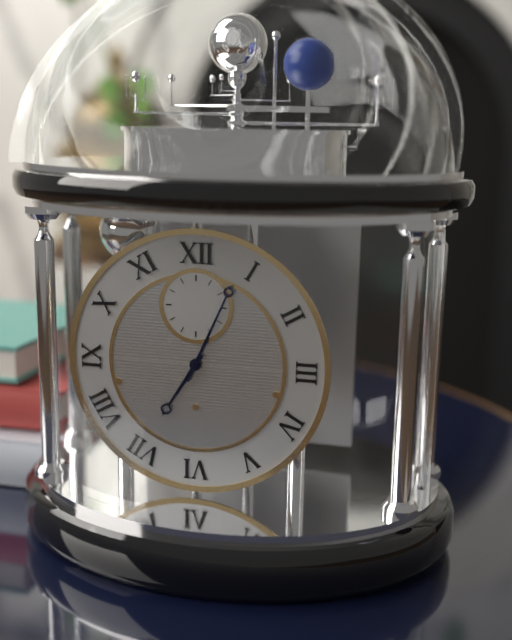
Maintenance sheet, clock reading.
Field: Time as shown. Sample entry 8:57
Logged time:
7:04
